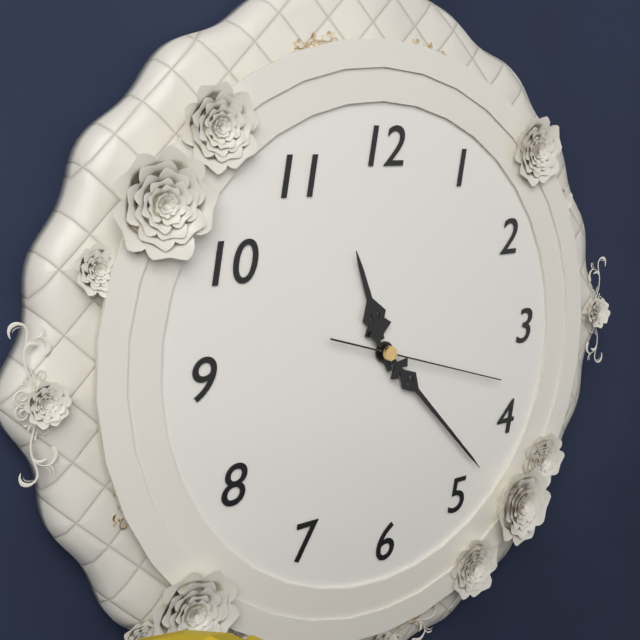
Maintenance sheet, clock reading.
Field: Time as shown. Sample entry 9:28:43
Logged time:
11:23:18
